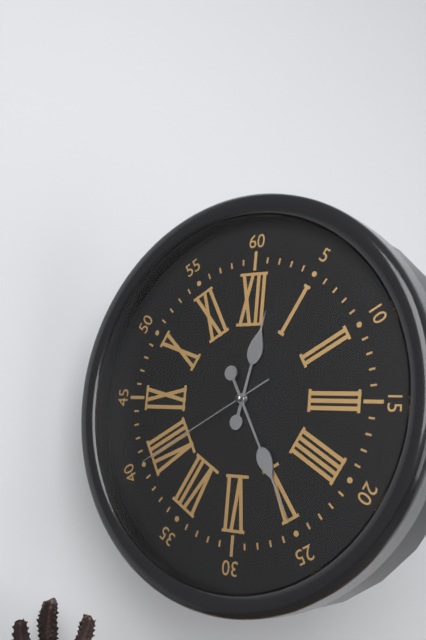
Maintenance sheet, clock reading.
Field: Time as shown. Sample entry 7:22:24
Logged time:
12:25:40
